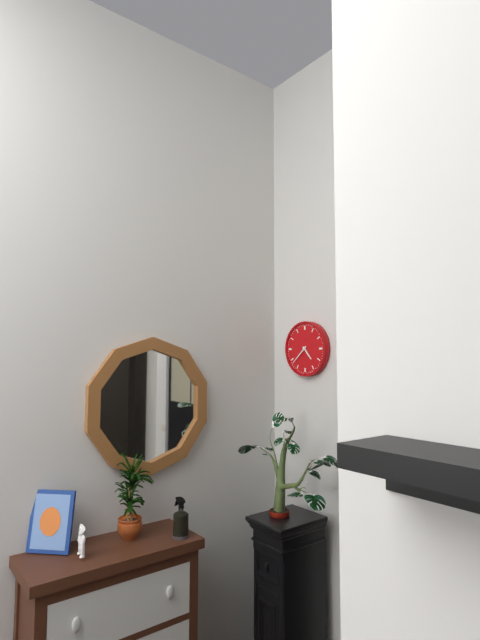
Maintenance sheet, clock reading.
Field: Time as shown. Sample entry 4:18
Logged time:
4:38
